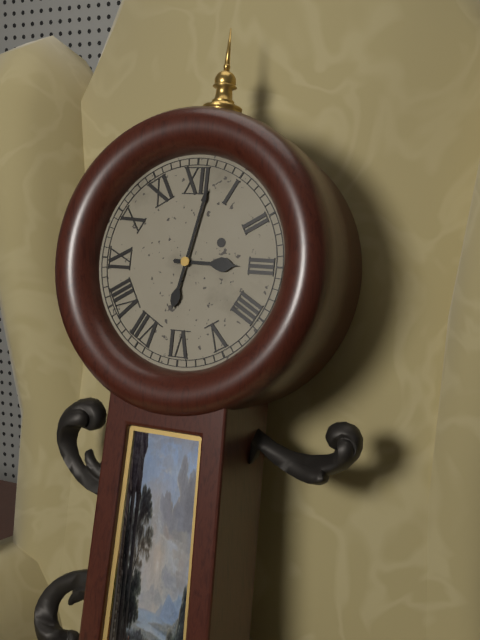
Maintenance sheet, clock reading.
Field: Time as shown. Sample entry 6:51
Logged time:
3:02
